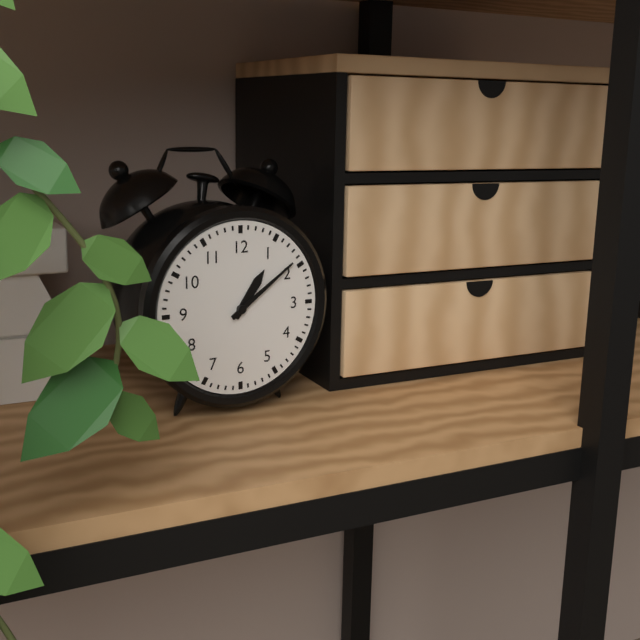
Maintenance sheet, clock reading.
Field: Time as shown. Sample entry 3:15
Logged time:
1:09
